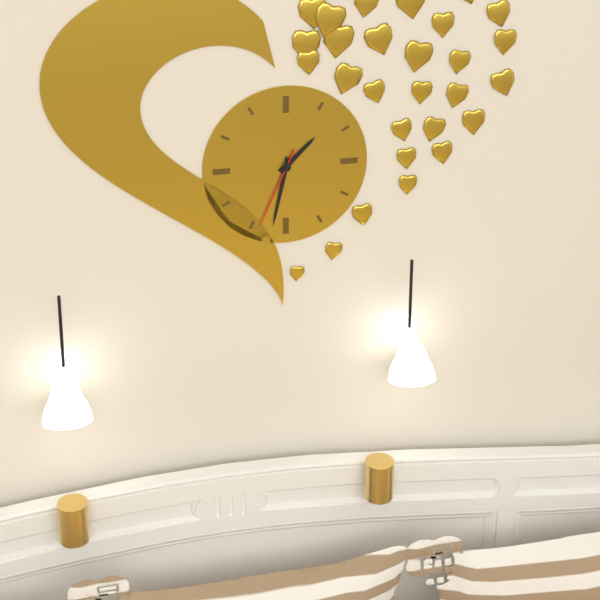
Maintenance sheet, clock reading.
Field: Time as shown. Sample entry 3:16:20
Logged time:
1:32:34
